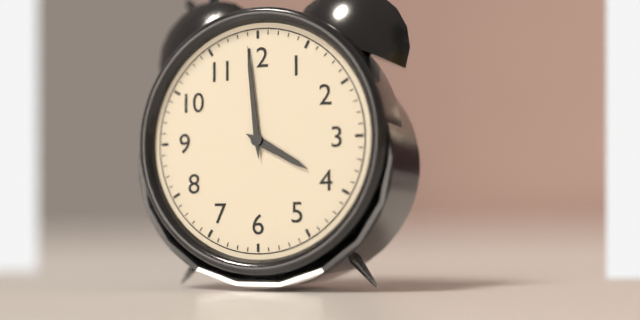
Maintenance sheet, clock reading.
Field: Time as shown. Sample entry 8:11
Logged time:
3:59
